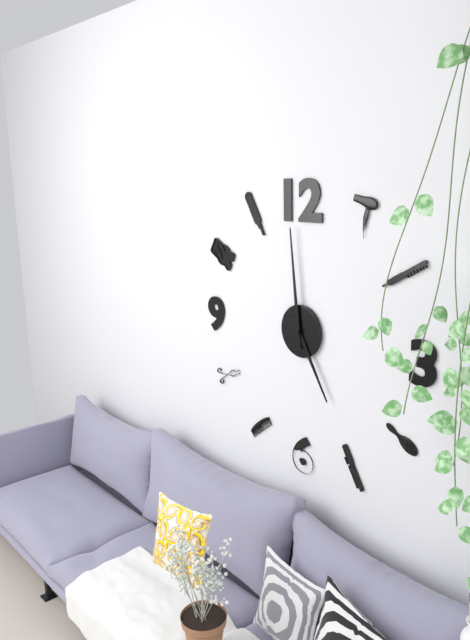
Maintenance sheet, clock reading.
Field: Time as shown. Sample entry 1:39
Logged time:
4:59
